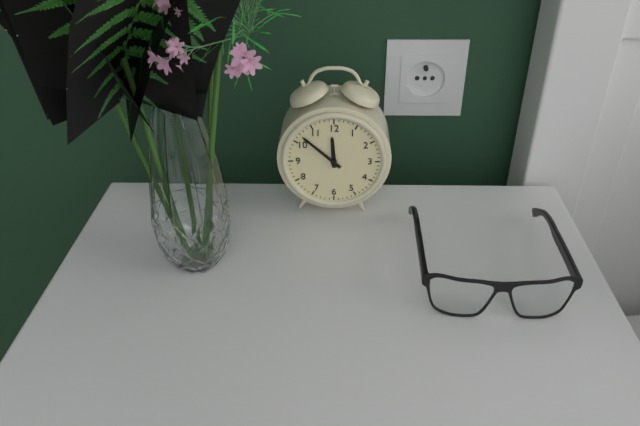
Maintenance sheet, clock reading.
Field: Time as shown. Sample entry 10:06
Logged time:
11:52
